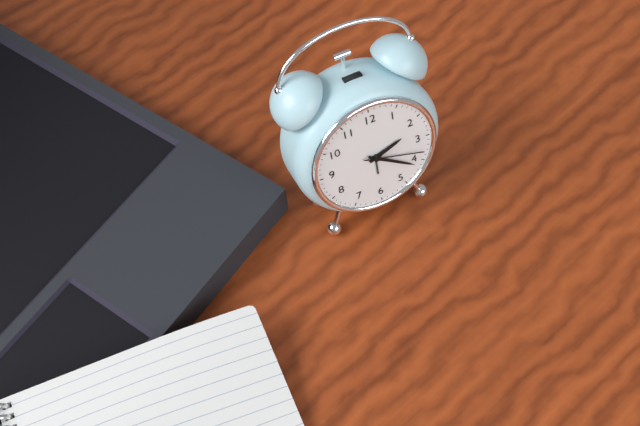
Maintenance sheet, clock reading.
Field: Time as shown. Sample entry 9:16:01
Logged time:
2:21:18
